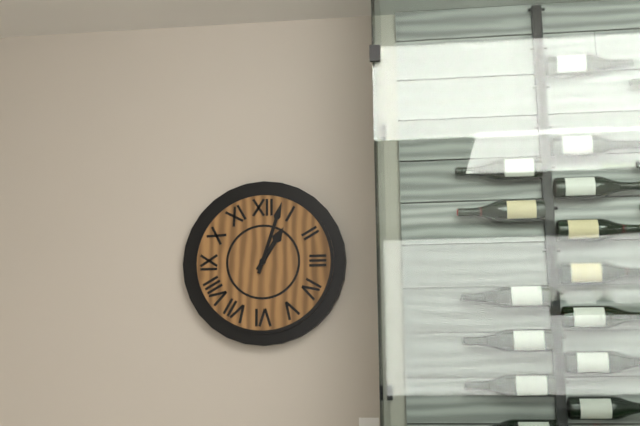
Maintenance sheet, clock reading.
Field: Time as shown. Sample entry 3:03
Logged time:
1:03
